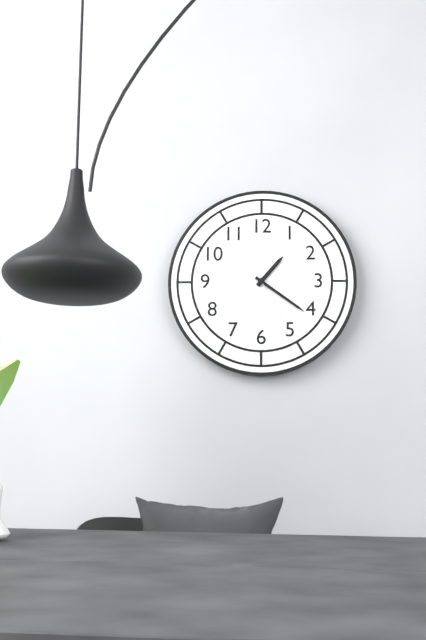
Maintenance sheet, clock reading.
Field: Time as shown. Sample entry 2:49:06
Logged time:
1:21:25
